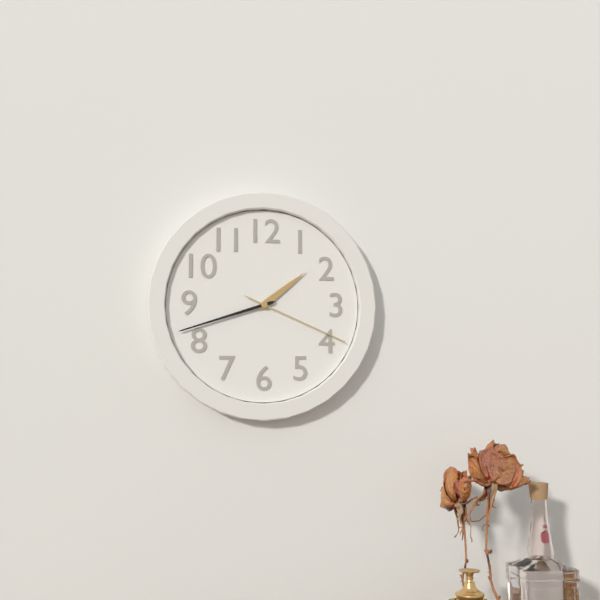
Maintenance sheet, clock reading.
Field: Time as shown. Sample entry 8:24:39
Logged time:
1:42:19
